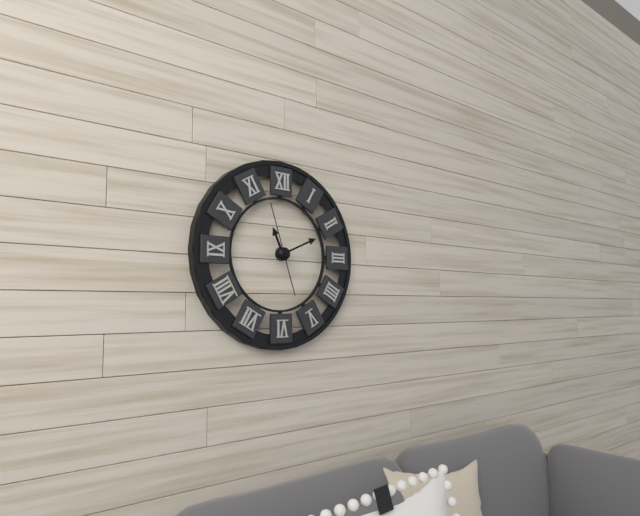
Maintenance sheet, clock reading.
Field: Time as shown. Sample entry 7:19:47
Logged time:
11:11:57
